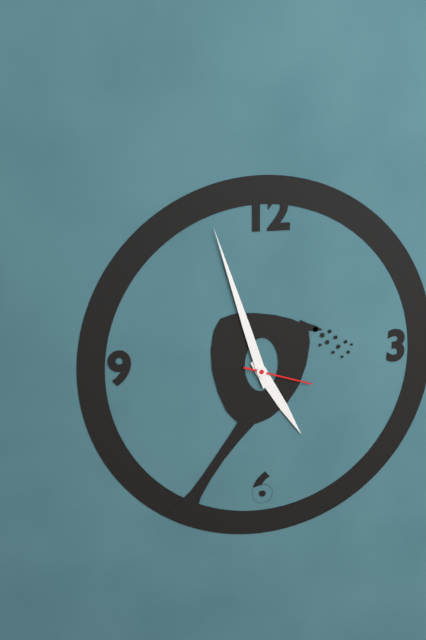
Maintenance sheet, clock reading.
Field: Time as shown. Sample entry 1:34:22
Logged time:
4:57:18
